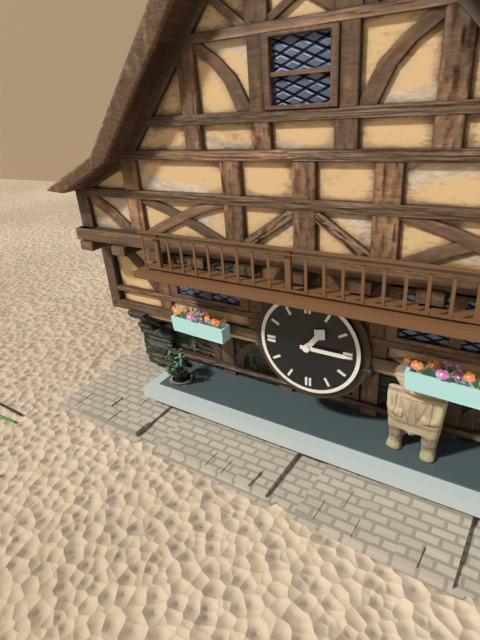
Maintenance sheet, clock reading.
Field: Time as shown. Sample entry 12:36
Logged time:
1:15
